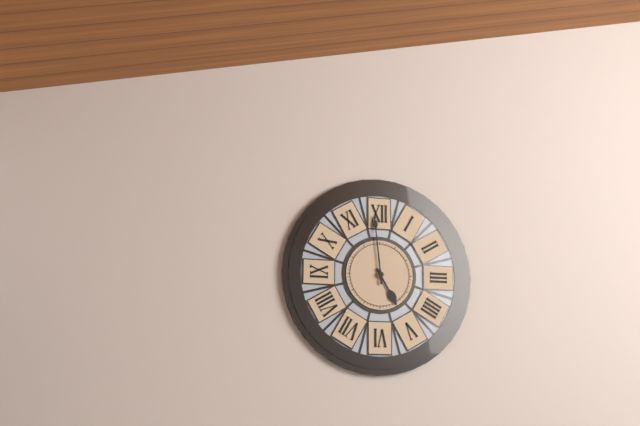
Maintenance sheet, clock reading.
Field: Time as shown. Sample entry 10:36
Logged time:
4:59
